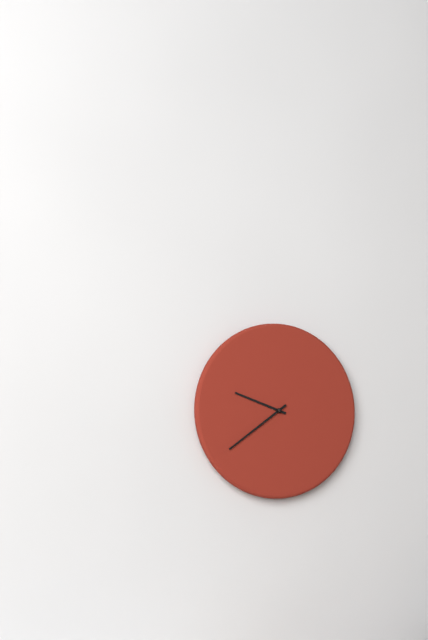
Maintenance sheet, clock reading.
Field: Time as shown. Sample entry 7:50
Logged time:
9:39
